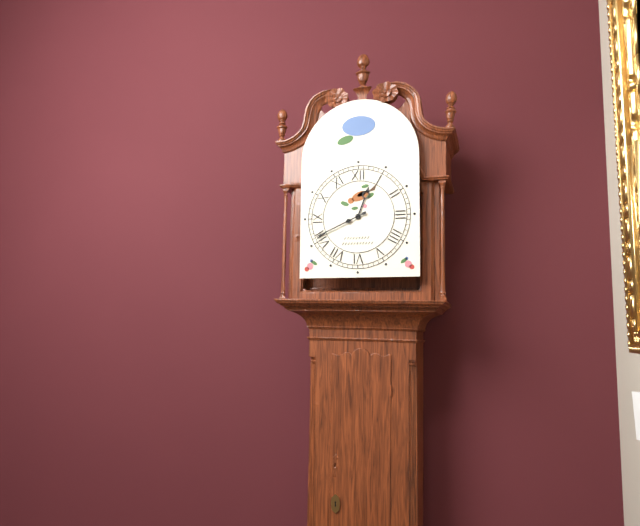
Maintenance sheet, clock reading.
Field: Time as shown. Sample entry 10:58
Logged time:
12:41
